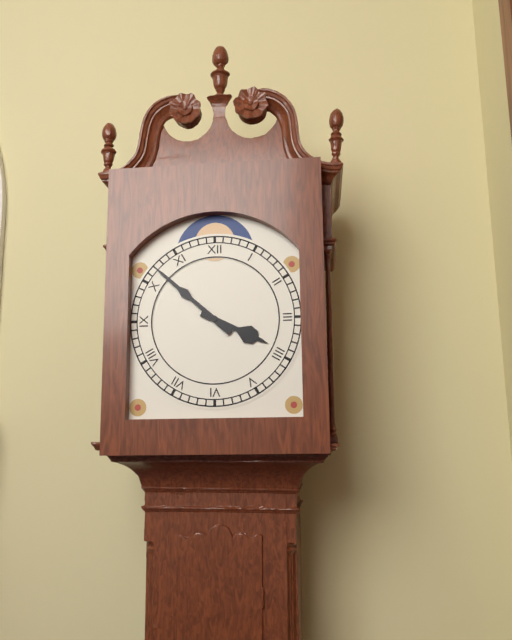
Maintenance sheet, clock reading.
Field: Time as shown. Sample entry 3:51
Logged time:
3:52
